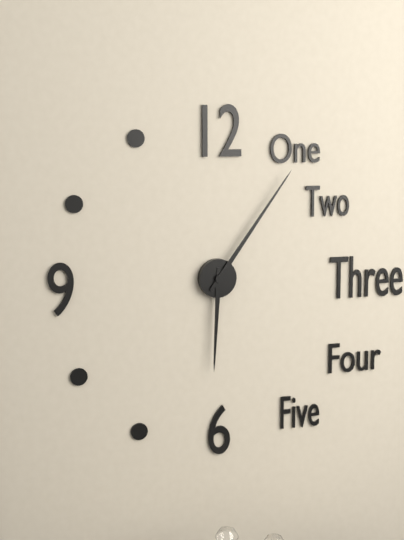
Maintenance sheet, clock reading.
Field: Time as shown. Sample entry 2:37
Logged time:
6:06
